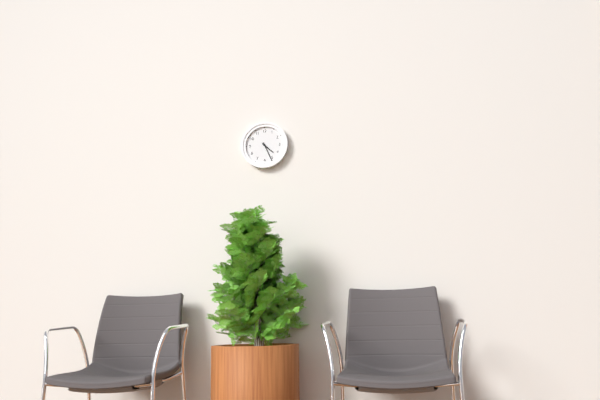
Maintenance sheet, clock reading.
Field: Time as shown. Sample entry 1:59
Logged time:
4:26
